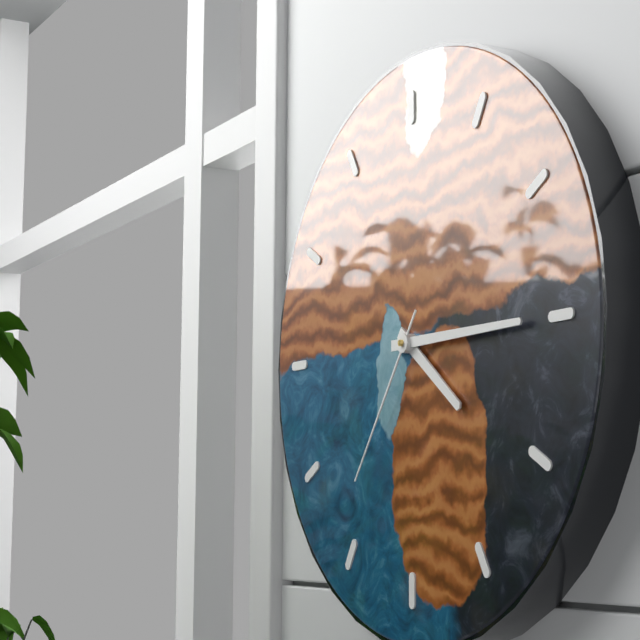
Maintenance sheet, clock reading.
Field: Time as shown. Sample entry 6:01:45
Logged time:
4:15:36
